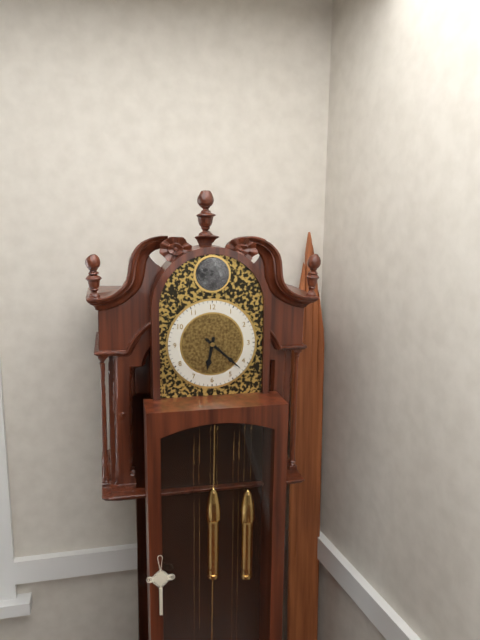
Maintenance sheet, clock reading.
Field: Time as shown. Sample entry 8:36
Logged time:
6:22
